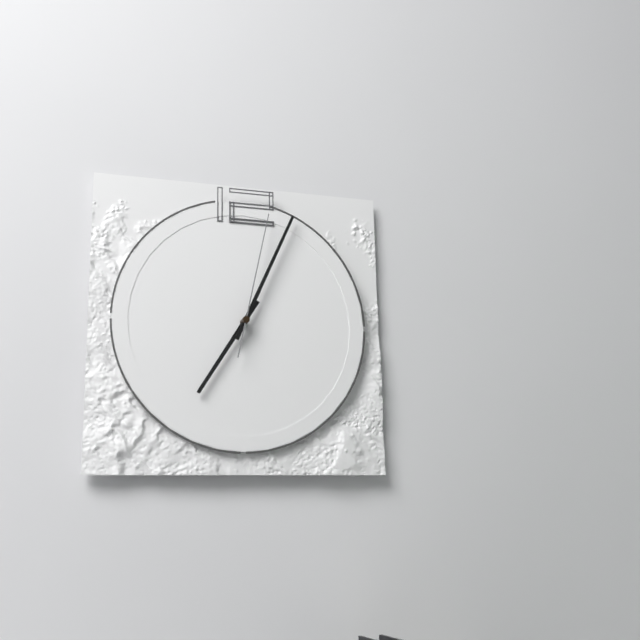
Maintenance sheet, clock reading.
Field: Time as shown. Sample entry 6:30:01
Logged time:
7:04:02
